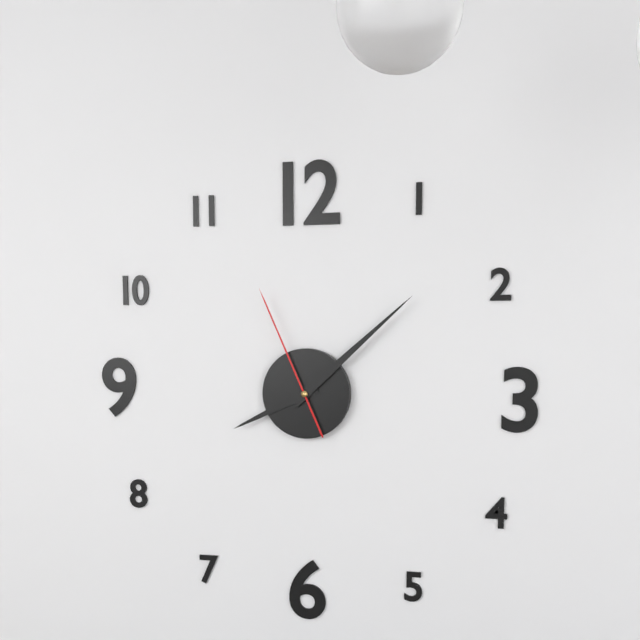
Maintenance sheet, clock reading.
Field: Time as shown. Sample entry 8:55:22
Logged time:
8:08:56
